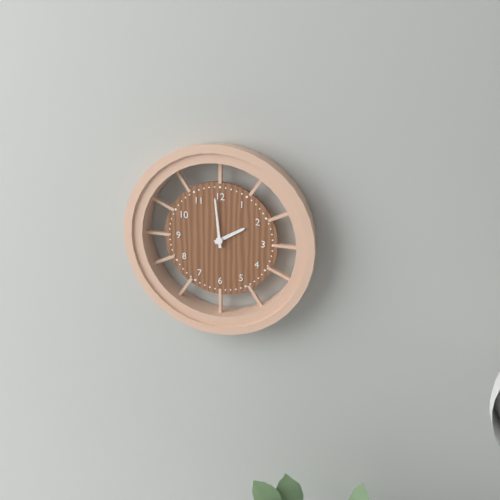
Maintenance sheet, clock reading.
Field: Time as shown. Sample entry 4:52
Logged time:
1:59
